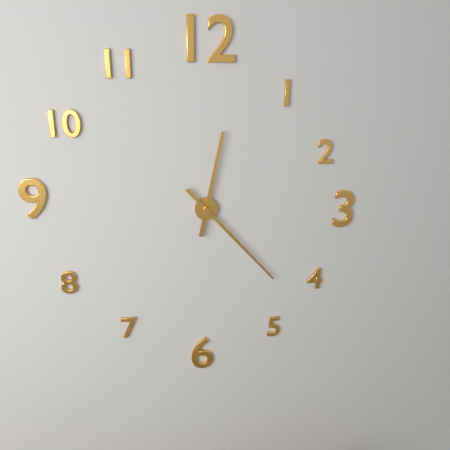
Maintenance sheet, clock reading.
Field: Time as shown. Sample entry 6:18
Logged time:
12:23
